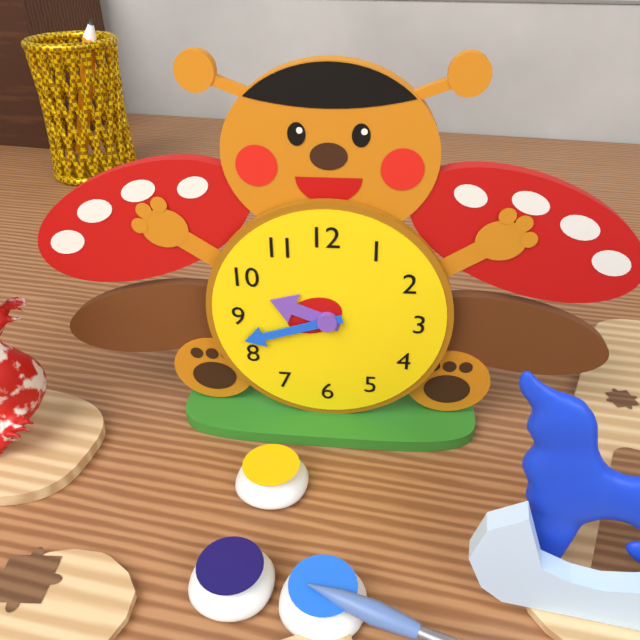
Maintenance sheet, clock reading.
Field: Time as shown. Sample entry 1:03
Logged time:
9:42
